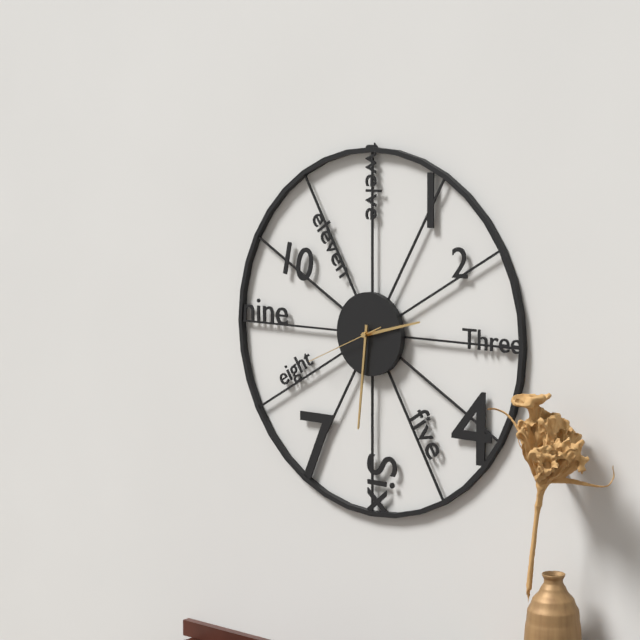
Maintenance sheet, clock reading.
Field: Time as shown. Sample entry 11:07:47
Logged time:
2:31:41
